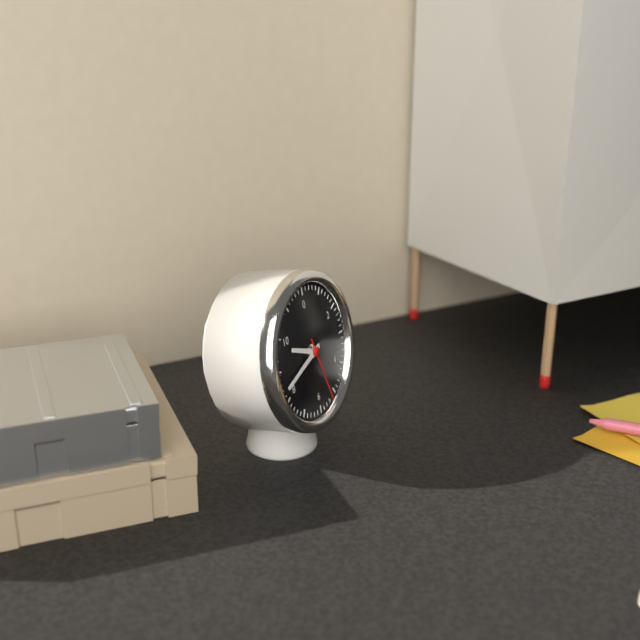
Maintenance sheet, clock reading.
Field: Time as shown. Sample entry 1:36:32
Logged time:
9:42:27
